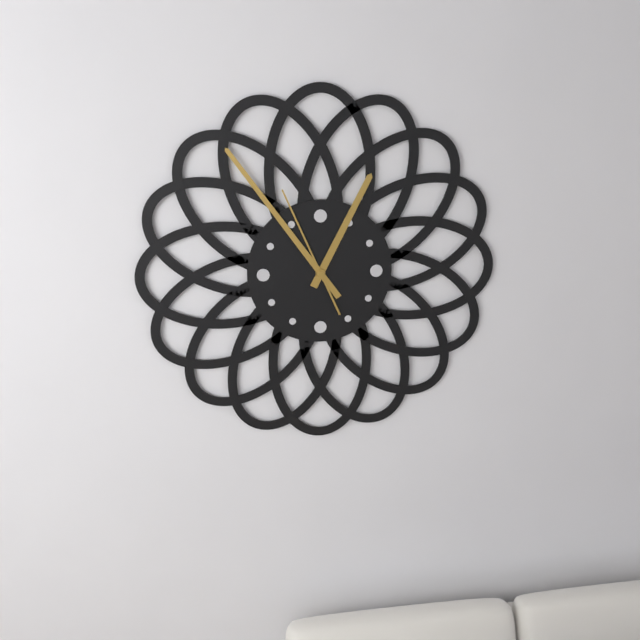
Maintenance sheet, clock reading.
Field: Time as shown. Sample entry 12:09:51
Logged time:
12:54:56
